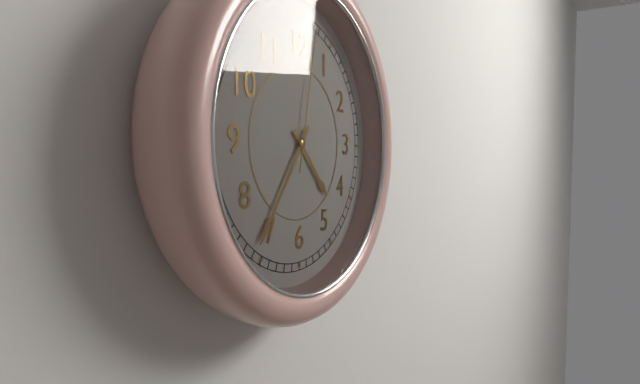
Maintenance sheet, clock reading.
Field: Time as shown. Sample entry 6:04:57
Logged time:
4:36:02
